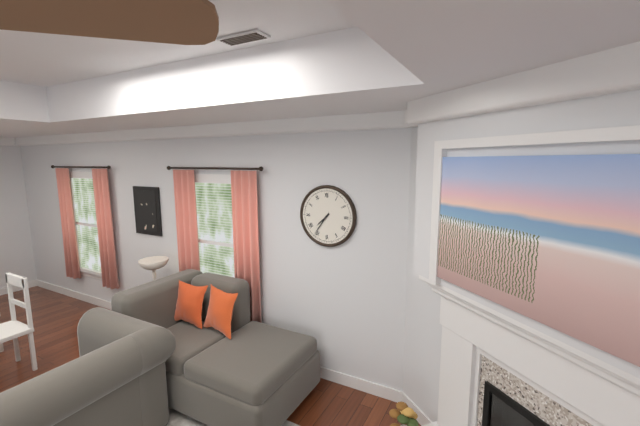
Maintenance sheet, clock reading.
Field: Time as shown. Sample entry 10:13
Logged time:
7:36
